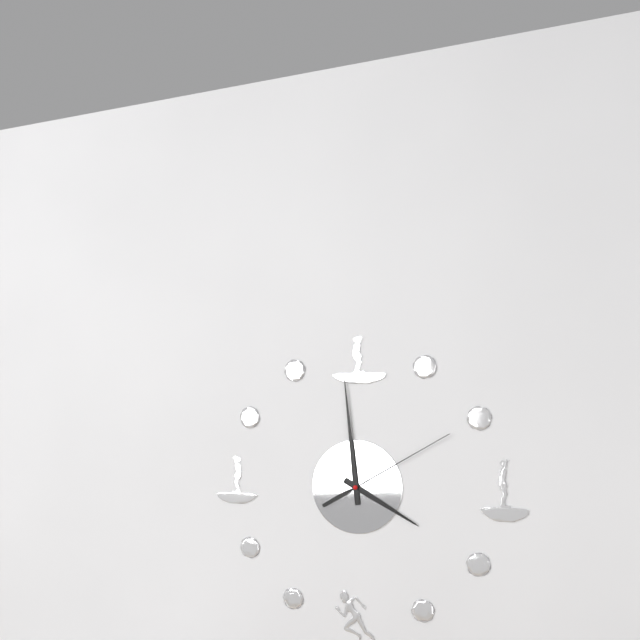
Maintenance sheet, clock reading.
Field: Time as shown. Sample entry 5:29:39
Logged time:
3:59:10
